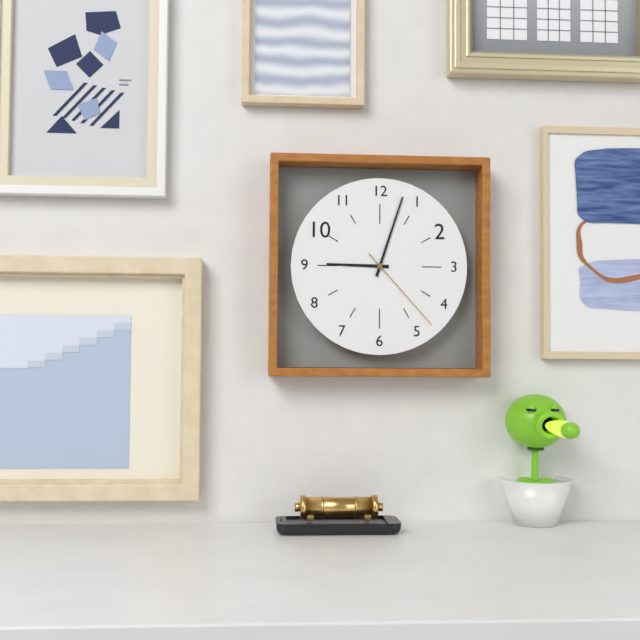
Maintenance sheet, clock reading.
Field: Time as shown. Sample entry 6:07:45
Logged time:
9:03:23
